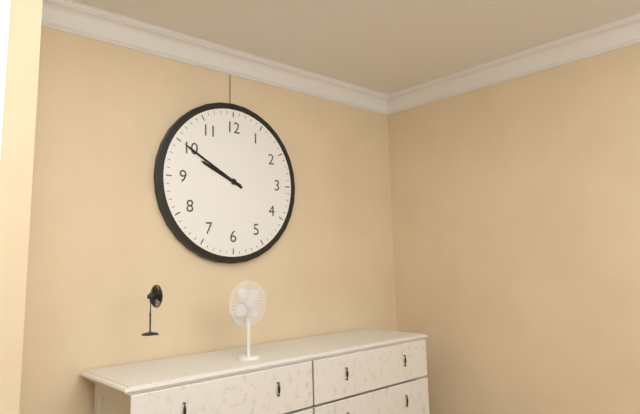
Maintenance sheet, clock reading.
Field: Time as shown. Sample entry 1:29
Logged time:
9:50
